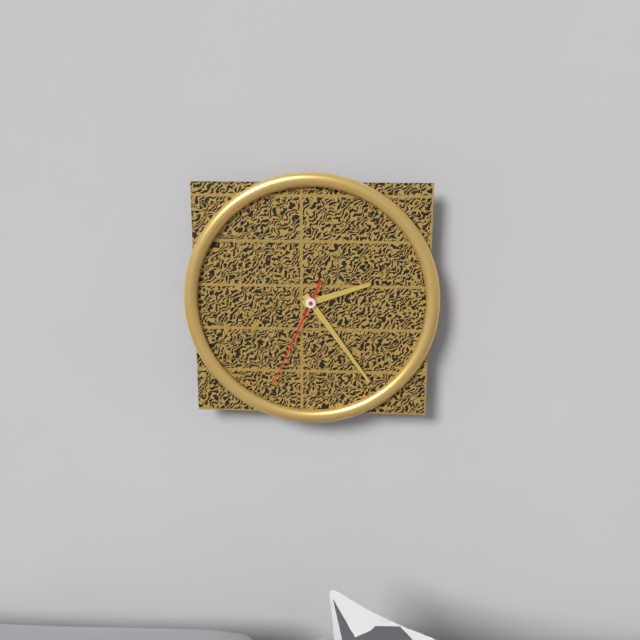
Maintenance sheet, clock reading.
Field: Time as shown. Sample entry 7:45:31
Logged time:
2:24:34
